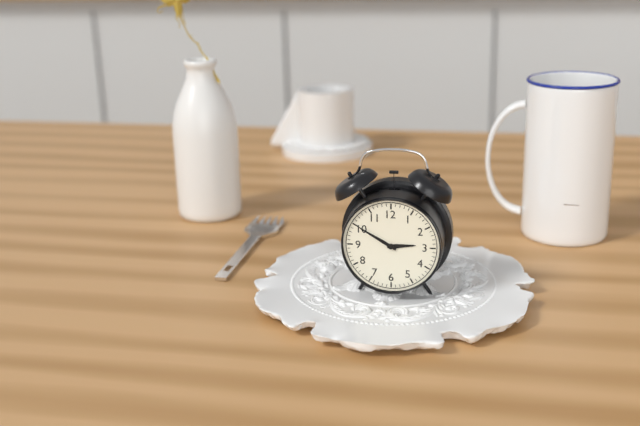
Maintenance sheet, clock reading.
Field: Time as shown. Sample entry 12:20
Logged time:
2:50
